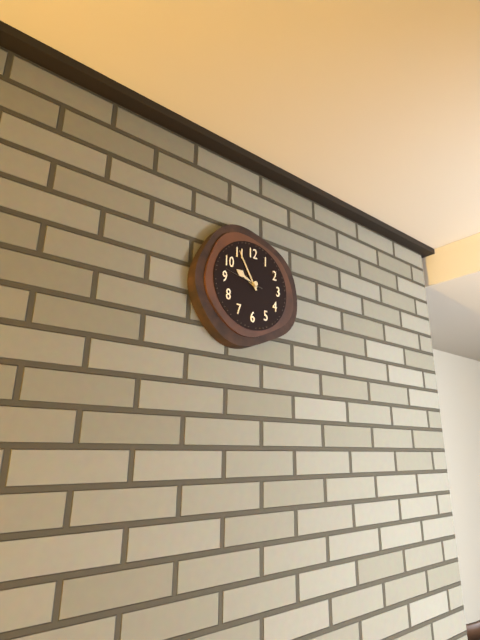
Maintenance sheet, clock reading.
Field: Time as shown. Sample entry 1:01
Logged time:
9:55
